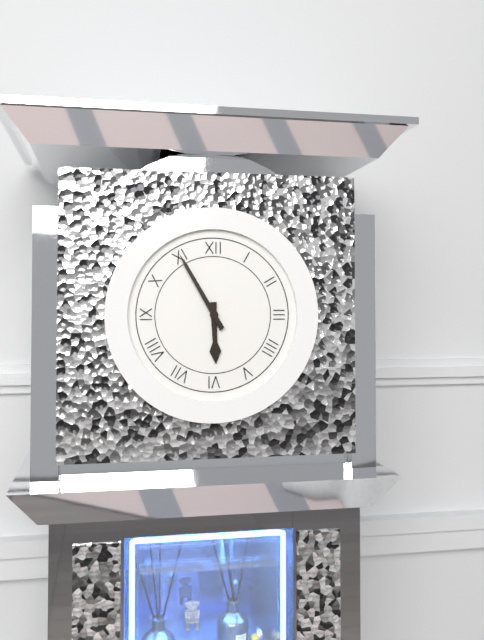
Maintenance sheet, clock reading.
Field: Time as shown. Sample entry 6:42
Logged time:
5:55
